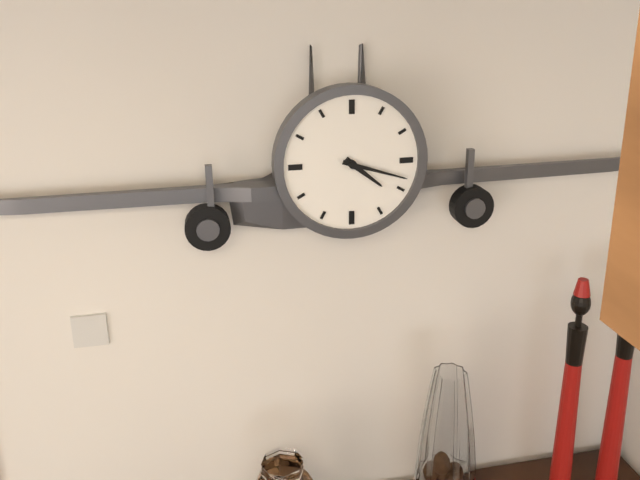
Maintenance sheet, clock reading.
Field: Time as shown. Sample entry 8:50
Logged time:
4:18
